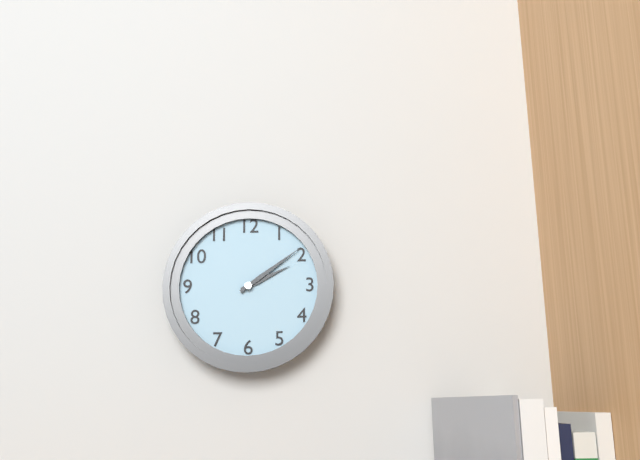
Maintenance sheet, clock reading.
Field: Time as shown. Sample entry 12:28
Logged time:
2:09
